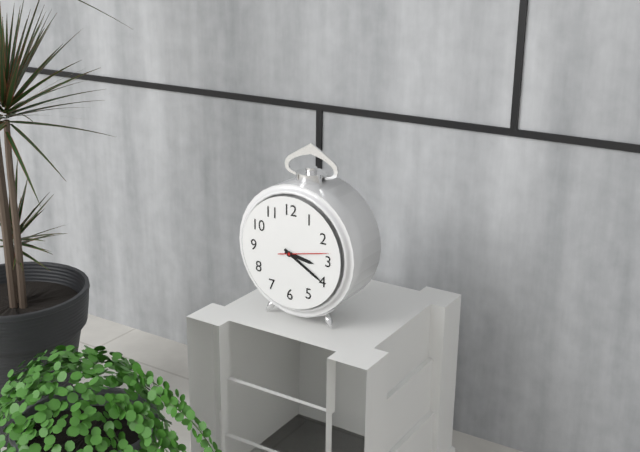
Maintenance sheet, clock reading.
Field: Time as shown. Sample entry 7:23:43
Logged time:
3:20:13
